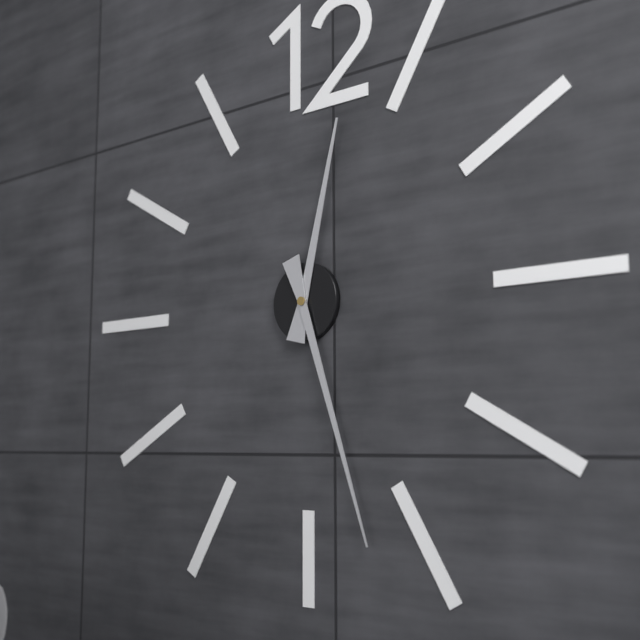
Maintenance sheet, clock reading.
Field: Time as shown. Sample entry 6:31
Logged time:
12:27
